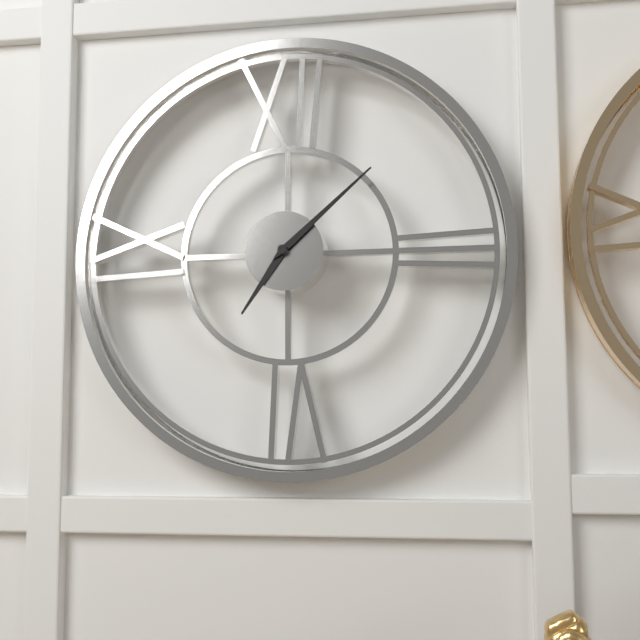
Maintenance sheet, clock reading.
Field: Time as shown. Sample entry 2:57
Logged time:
7:08
